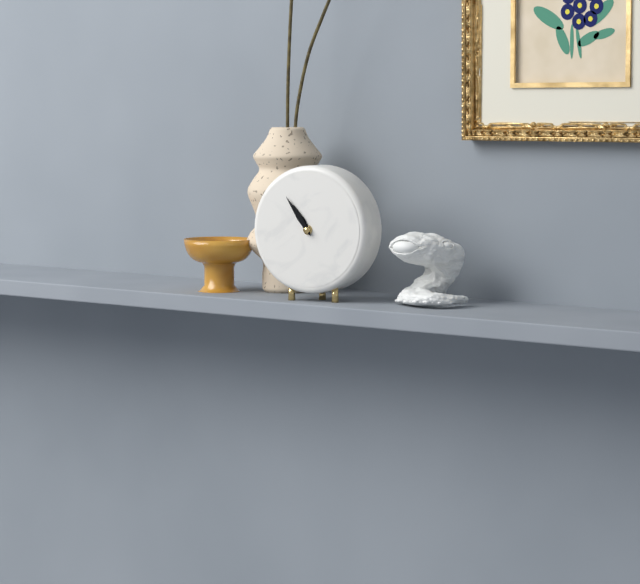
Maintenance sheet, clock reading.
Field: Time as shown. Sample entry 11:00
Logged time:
10:54
